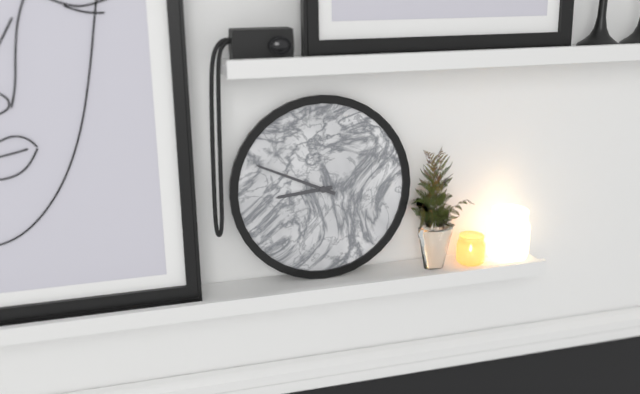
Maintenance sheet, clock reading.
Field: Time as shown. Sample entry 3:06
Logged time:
8:49
